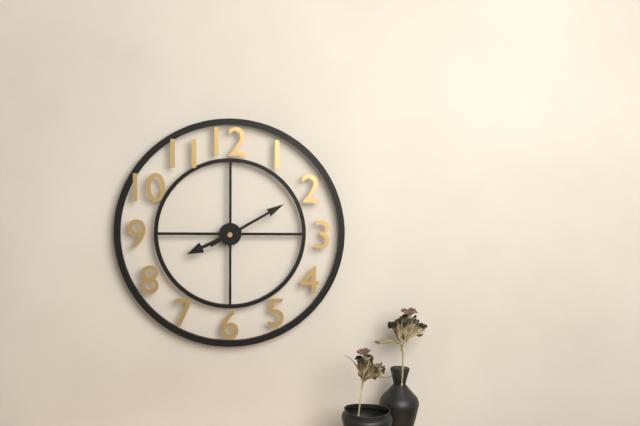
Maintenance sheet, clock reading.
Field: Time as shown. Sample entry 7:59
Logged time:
8:10
